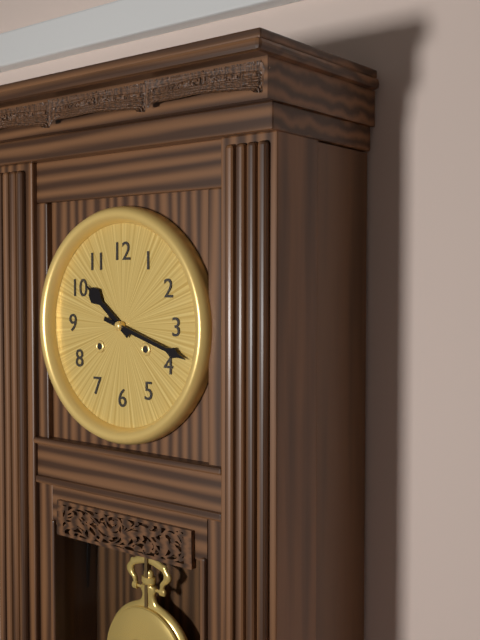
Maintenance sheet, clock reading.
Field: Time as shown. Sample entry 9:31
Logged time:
10:18
